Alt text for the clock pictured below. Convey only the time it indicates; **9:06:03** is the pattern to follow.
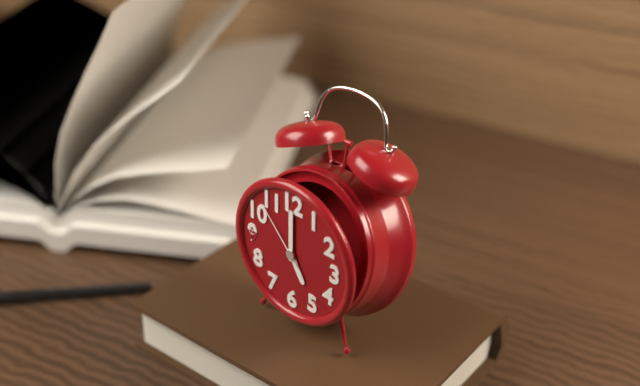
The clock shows **5:00:53**
